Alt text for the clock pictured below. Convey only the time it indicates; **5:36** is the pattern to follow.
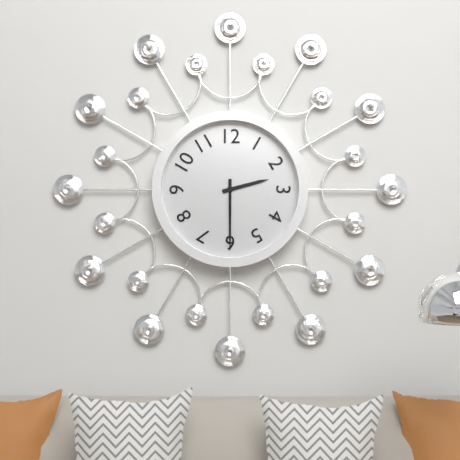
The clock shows **2:30**
